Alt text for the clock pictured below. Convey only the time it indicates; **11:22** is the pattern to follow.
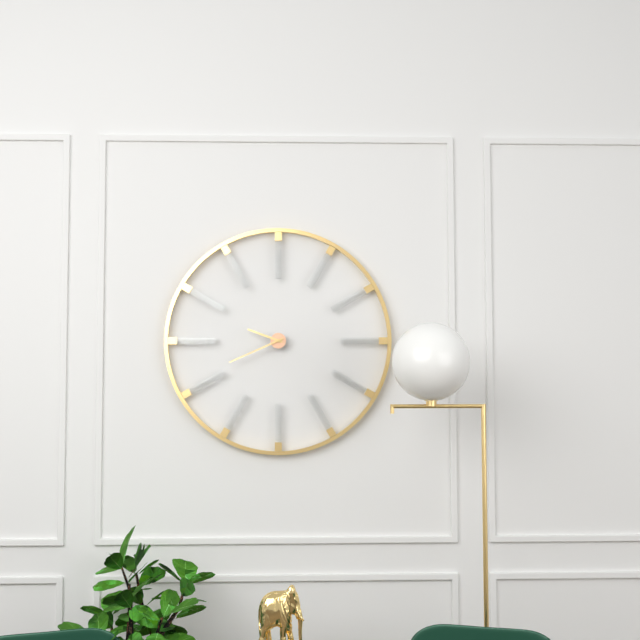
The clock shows **9:41**
